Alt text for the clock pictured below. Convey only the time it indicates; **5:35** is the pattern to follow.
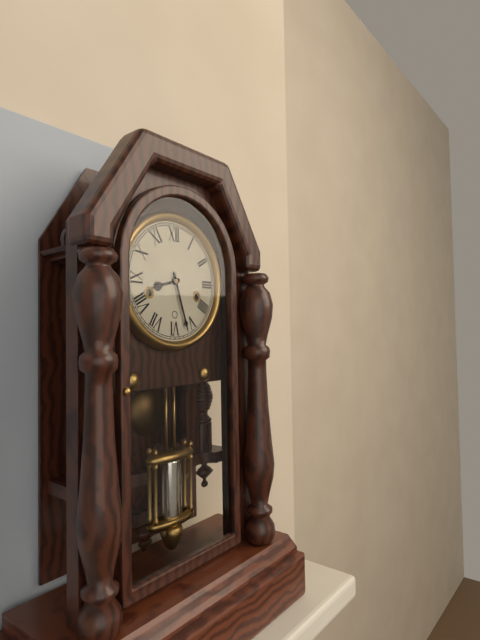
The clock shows **8:27**
